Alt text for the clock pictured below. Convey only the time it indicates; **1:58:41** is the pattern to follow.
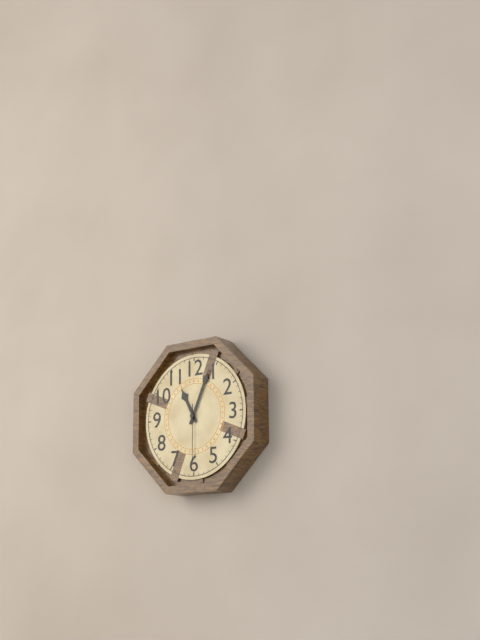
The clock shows **11:04:30**
